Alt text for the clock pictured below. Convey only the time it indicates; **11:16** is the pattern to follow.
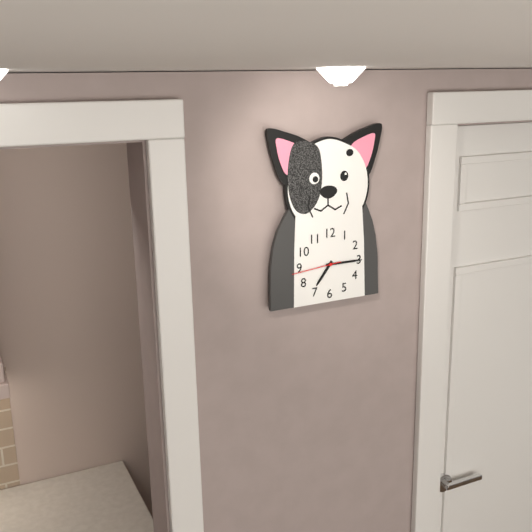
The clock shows **7:15**
